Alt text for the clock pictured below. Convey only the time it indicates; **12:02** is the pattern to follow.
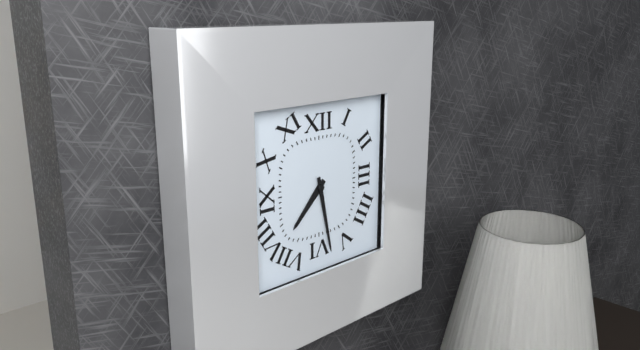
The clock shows **7:28**
